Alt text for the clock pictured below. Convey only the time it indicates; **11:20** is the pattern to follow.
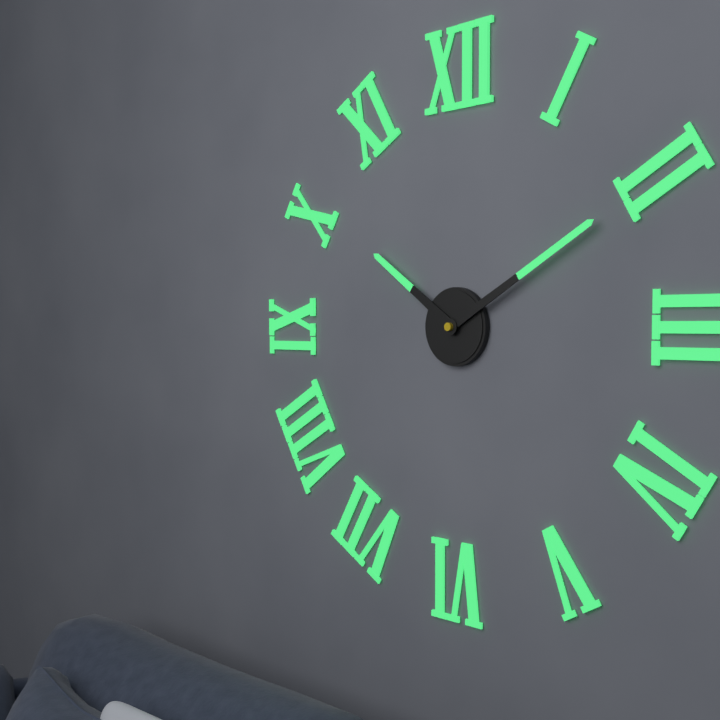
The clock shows **10:10**
